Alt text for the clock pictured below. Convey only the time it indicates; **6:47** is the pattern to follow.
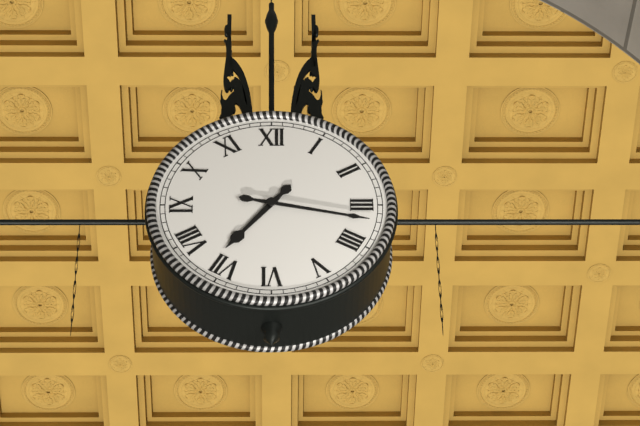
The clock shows **7:17**
